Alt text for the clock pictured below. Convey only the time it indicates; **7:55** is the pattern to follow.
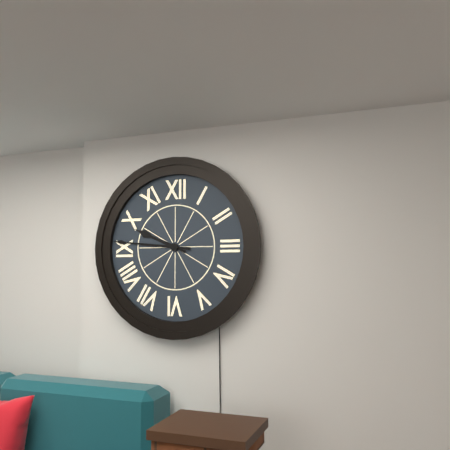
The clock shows **9:46**
